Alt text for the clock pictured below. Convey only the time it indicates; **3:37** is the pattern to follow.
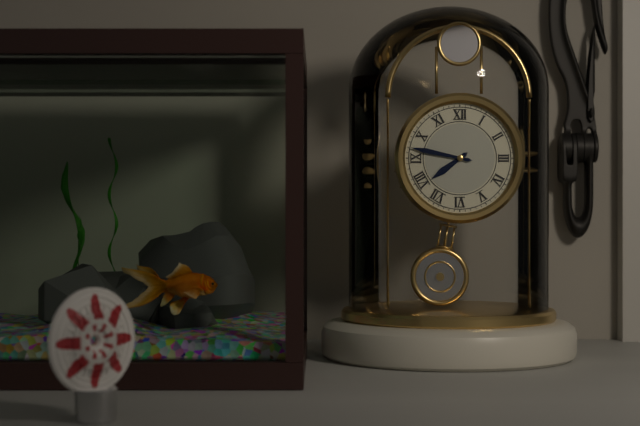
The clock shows **7:47**
